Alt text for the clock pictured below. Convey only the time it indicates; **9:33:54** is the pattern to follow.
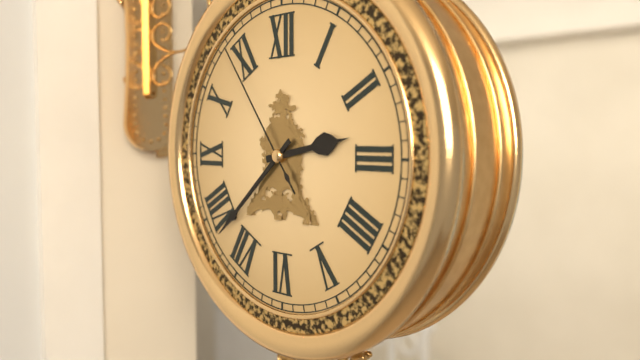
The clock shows **2:38:54**
